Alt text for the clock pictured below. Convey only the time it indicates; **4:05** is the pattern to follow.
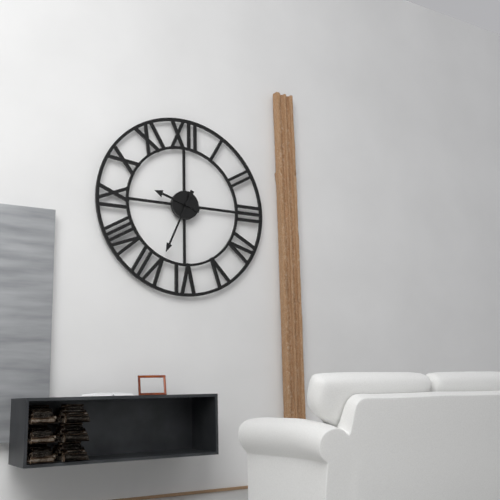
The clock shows **9:34**
